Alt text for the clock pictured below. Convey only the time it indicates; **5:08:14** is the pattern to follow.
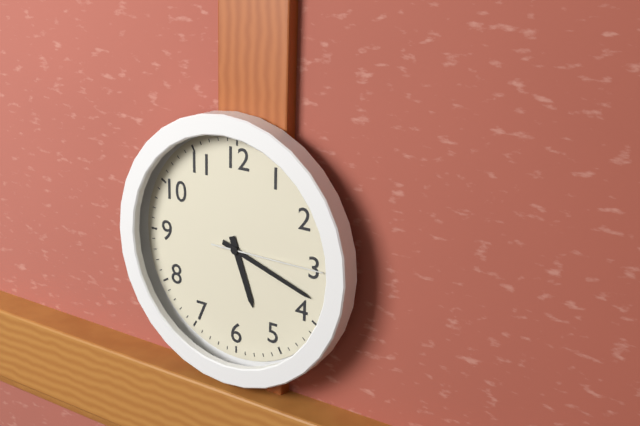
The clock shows **5:18:15**
